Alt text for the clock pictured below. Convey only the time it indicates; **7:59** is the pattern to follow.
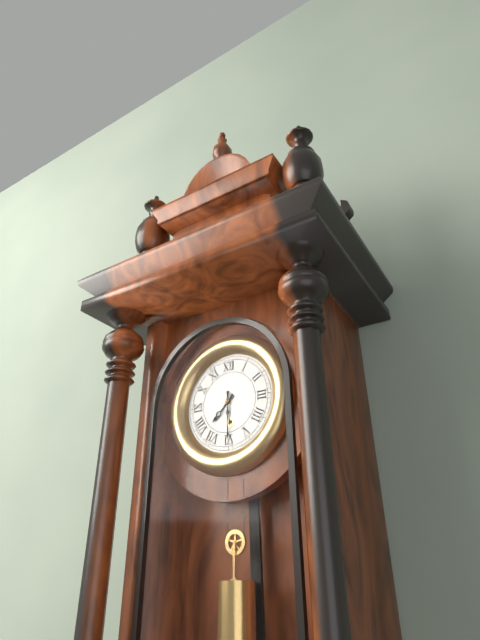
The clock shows **7:30**
